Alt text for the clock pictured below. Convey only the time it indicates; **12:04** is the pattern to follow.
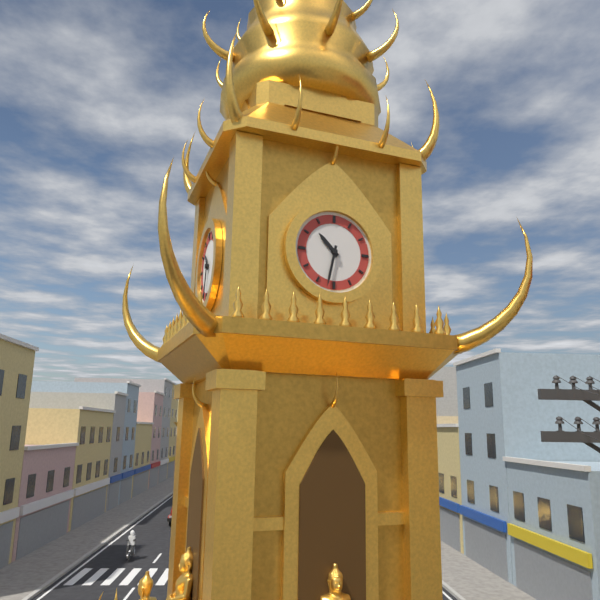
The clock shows **10:32**
